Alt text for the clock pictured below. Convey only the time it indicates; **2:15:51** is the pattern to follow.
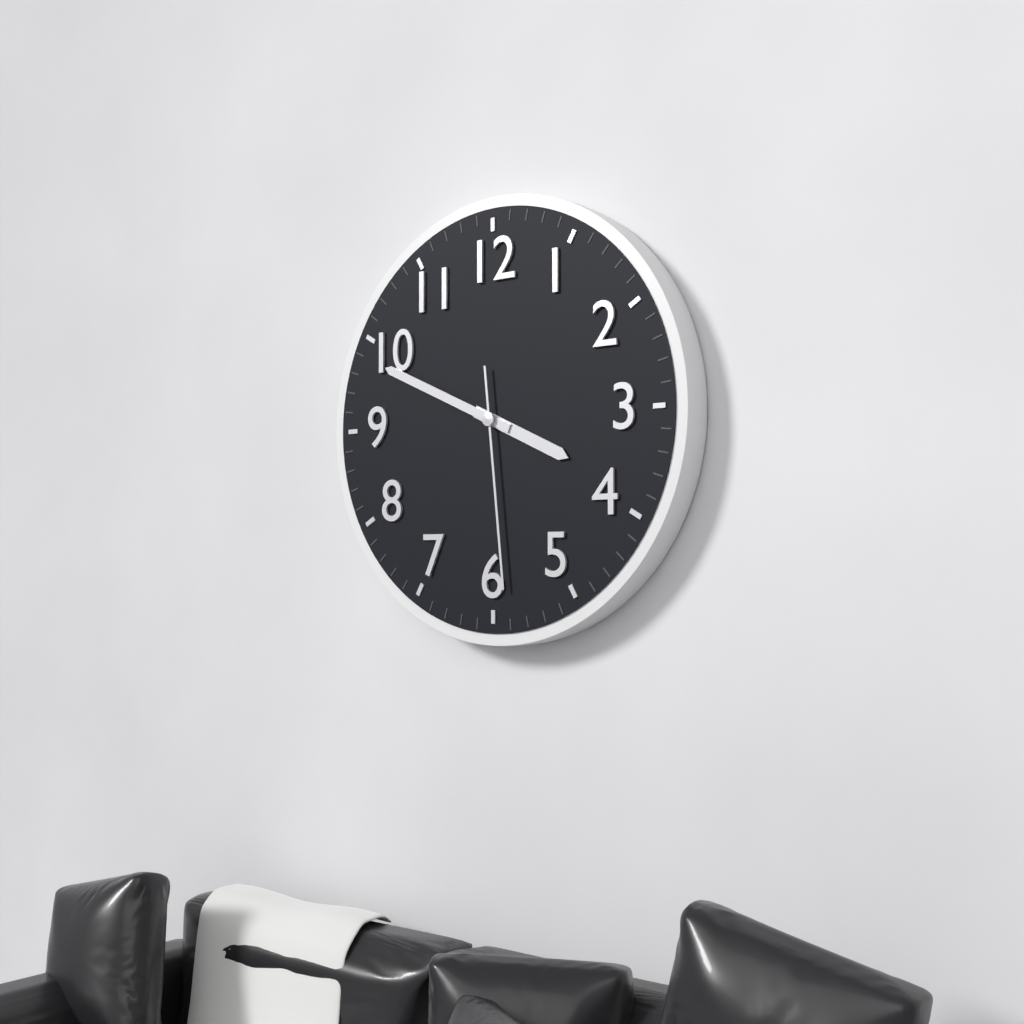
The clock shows **3:49:29**
